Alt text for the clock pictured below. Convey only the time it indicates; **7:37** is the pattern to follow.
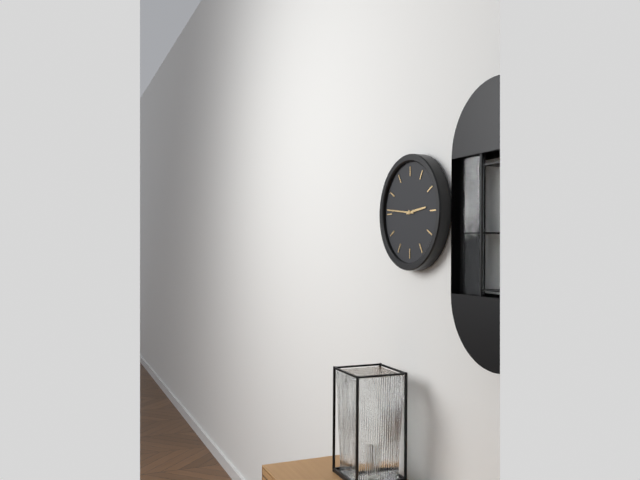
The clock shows **2:46**
